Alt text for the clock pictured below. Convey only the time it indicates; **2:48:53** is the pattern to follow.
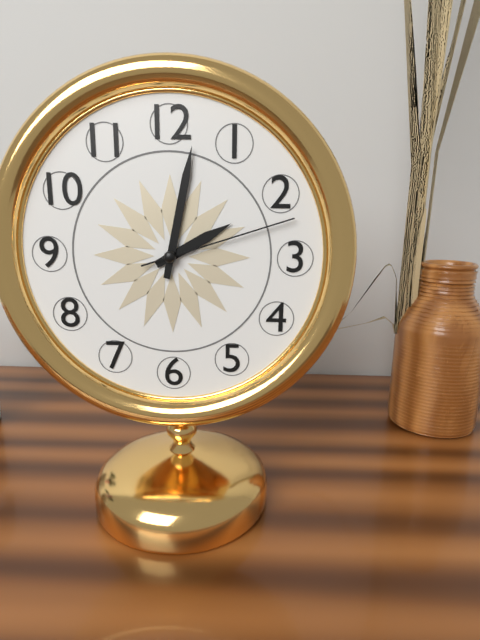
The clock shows **2:02:12**
